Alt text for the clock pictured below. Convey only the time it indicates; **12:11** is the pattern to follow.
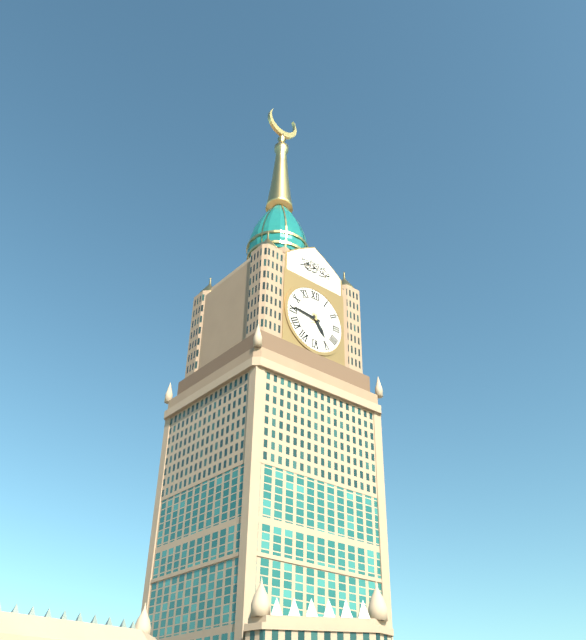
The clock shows **4:46**
